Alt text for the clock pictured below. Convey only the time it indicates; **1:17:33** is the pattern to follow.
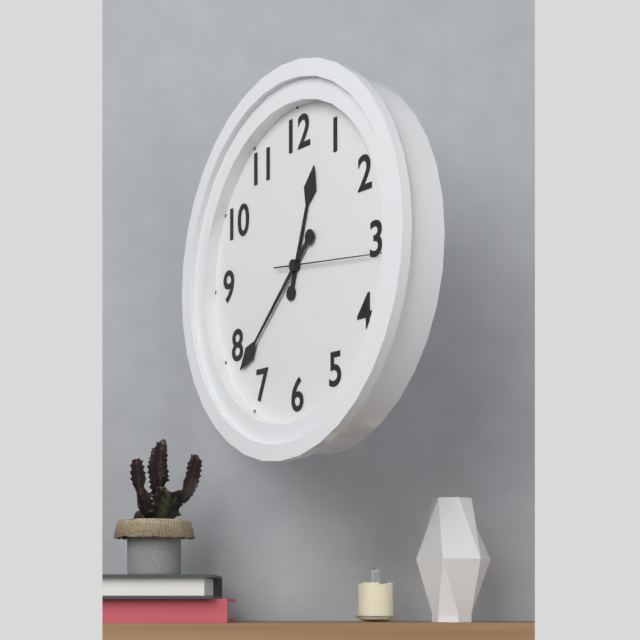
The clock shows **12:38:16**
